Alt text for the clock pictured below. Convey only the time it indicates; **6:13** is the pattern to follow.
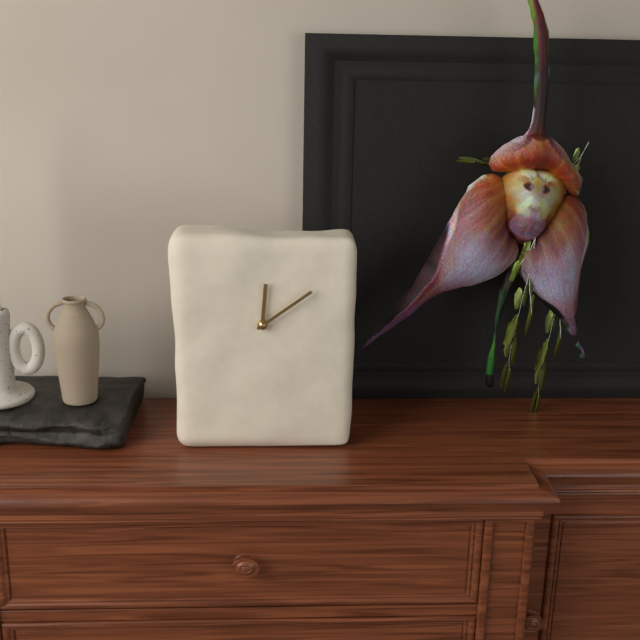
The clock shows **12:09**
